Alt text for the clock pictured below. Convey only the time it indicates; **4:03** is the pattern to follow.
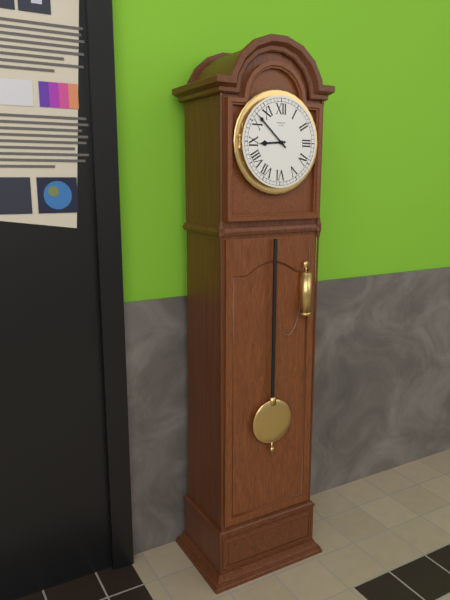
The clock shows **8:52**
